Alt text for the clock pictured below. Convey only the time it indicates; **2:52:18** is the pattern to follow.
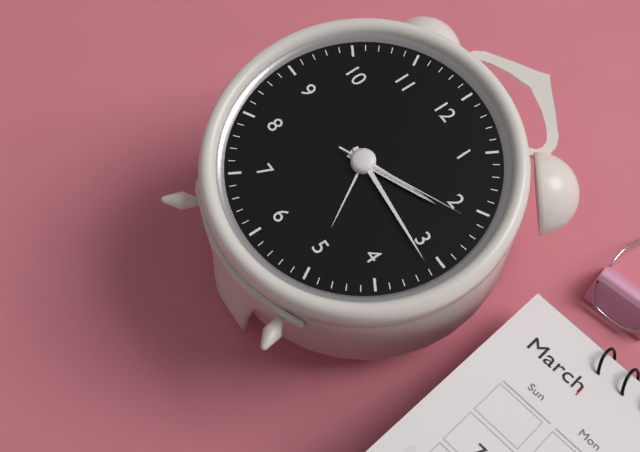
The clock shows **2:16:11**
